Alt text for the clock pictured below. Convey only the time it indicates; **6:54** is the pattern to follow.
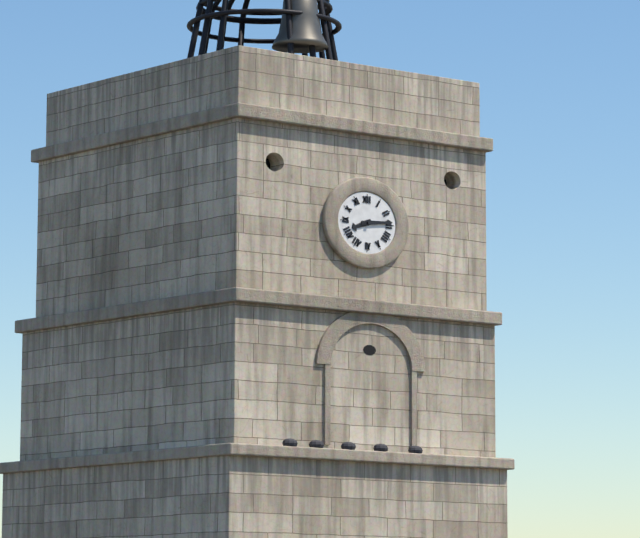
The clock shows **8:14**
